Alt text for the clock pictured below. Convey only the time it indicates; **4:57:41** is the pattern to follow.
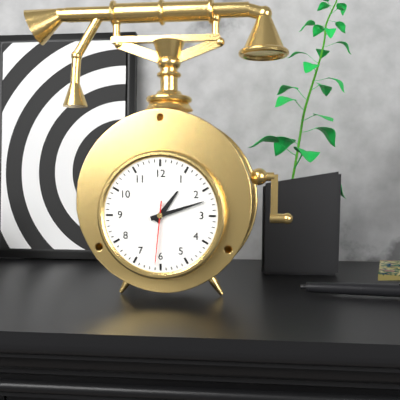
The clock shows **1:12:31**
